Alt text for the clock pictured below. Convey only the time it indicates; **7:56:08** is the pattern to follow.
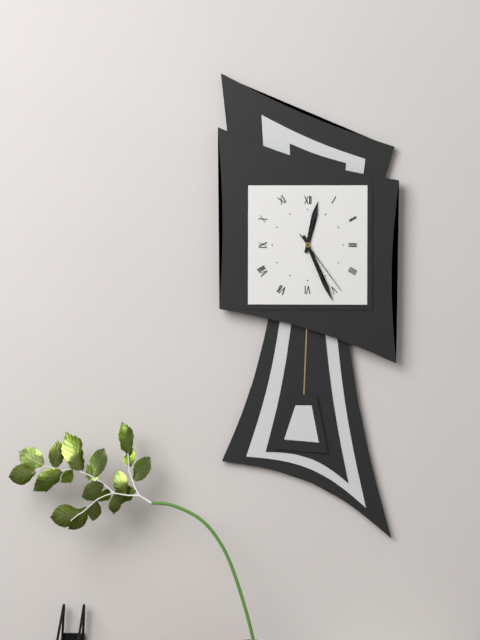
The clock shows **12:26:24**
